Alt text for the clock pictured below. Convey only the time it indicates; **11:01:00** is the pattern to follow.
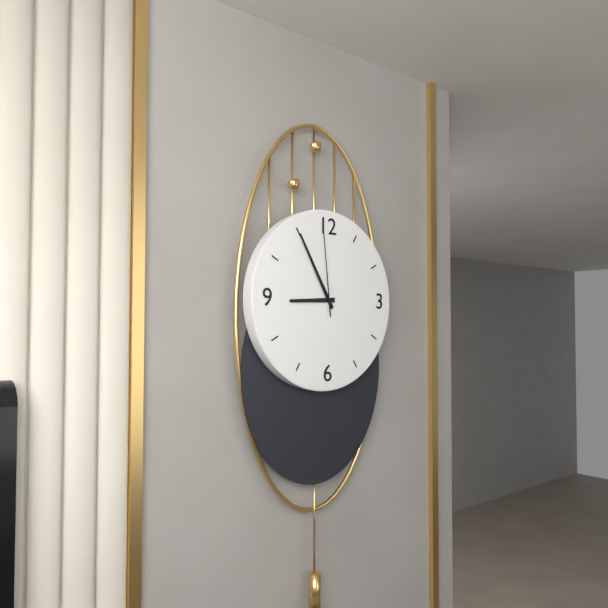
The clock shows **8:55:59**
